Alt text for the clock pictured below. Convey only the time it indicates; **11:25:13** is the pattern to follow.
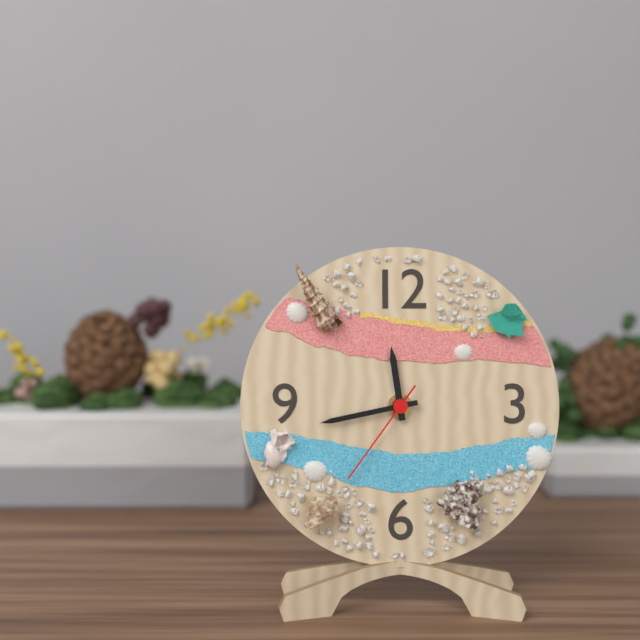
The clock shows **11:43:36**
